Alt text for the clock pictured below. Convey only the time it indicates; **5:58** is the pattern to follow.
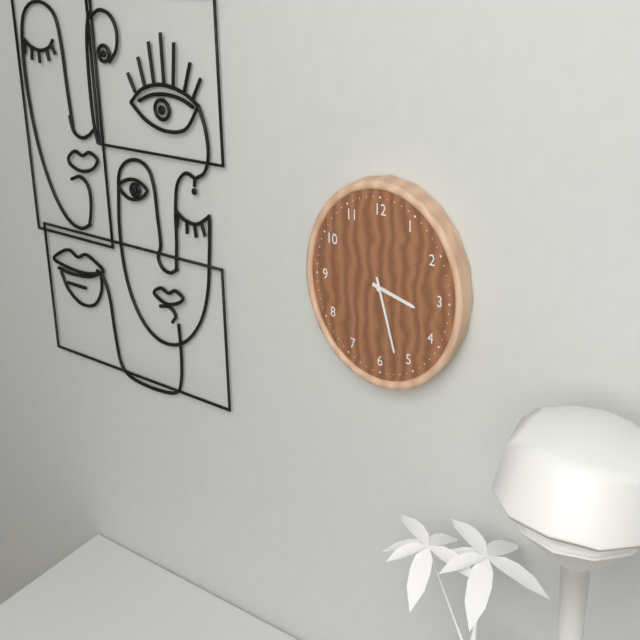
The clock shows **3:27**
